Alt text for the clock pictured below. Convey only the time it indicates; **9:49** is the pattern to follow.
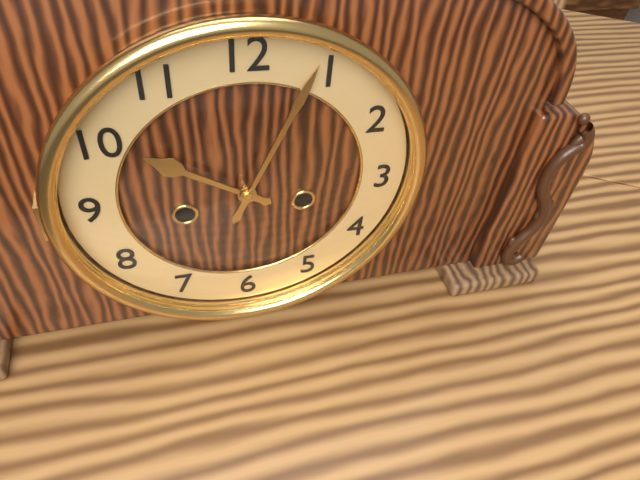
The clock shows **10:04**
